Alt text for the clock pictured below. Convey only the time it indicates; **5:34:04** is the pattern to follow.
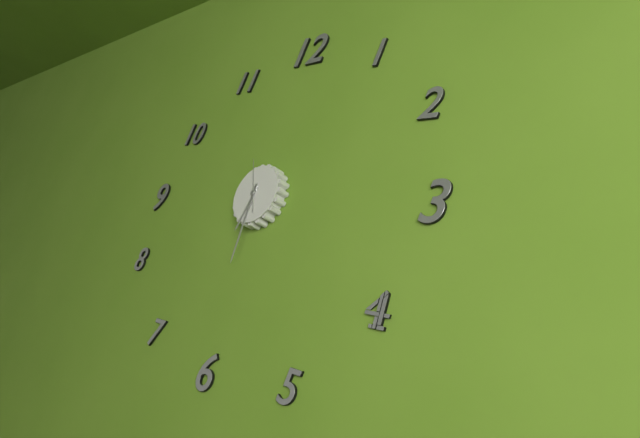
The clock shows **6:30:56**
